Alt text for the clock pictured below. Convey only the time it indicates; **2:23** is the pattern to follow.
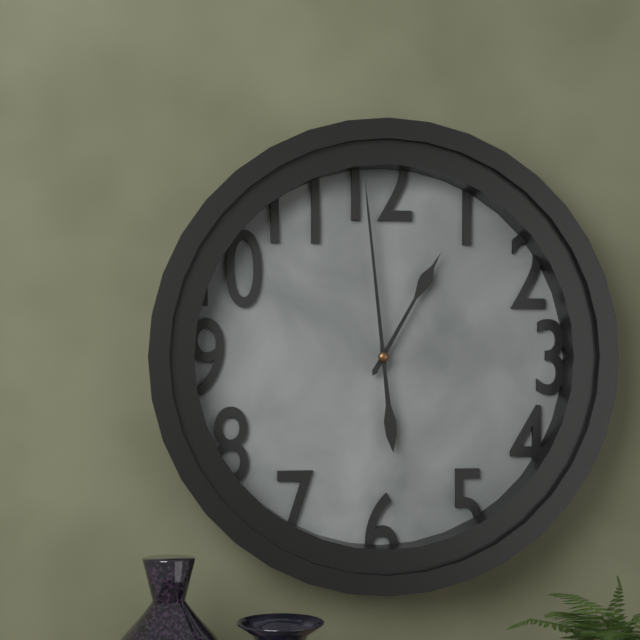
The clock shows **12:59**
